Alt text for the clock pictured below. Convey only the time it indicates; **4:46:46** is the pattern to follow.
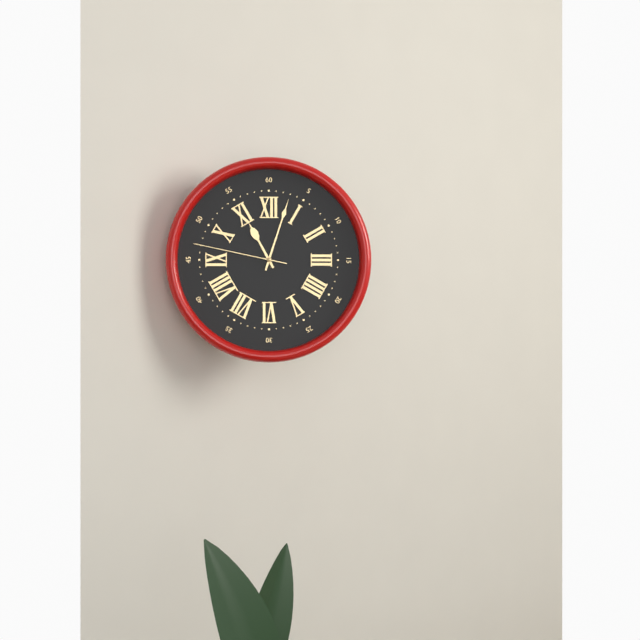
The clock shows **11:03:47**
